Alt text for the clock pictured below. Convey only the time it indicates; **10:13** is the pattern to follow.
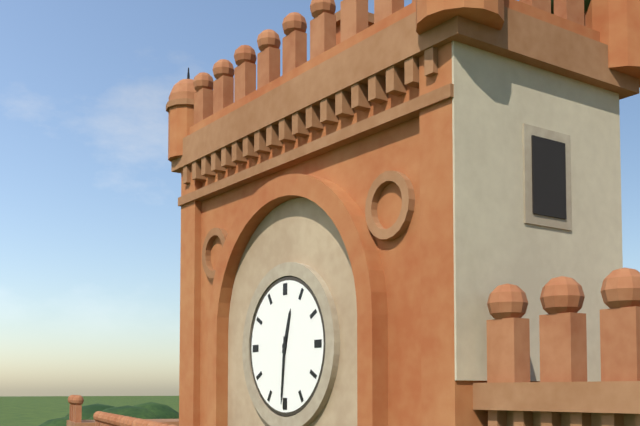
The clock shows **12:31**
